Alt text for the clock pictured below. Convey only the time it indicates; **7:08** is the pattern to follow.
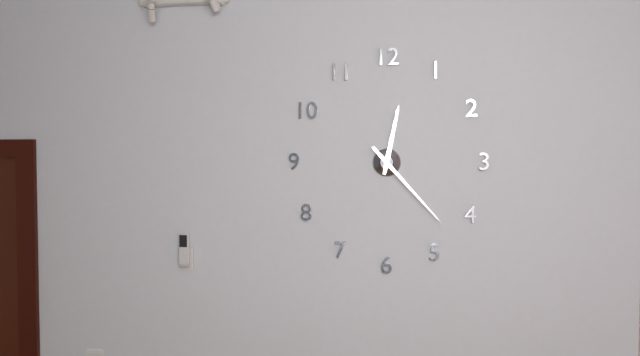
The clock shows **12:23**
